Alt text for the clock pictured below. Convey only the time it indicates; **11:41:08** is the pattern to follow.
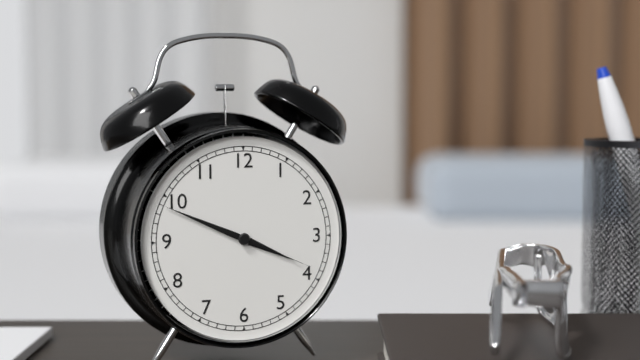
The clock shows **3:49:19**
